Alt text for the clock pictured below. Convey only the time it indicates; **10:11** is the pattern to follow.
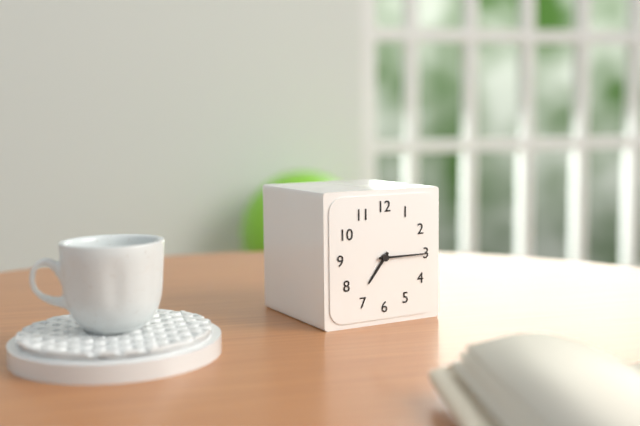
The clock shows **7:15**
